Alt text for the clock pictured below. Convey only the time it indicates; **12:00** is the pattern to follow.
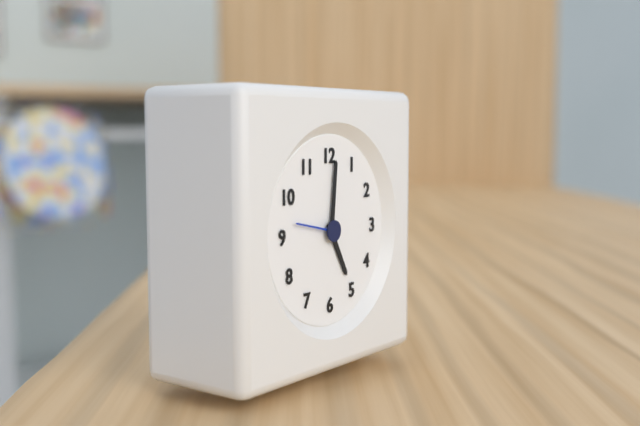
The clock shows **5:01**
